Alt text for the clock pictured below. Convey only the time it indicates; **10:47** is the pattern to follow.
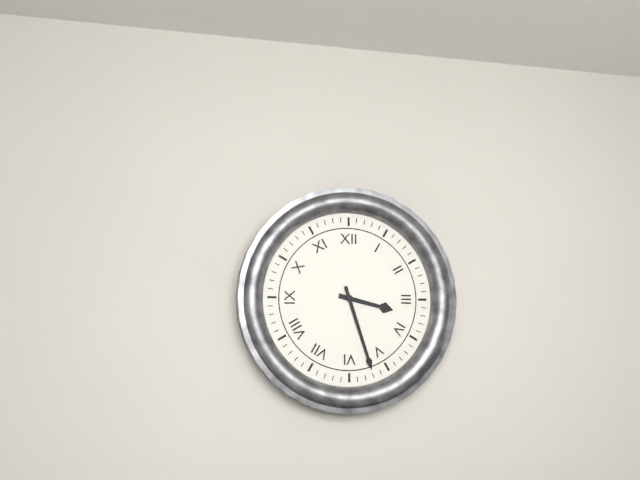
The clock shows **3:27**
